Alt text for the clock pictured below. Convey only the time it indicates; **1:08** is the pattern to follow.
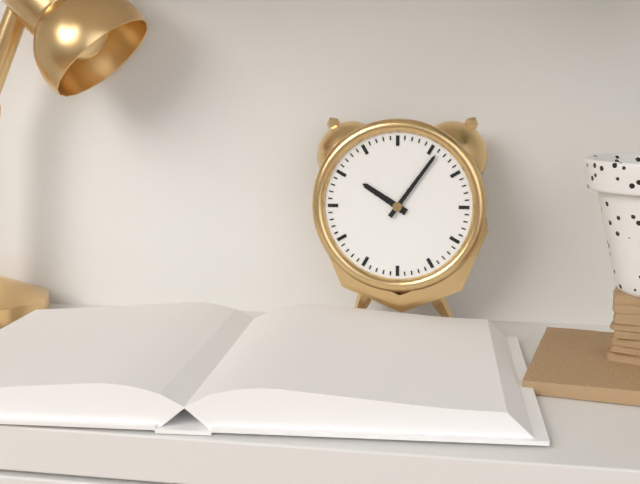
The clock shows **10:06**
